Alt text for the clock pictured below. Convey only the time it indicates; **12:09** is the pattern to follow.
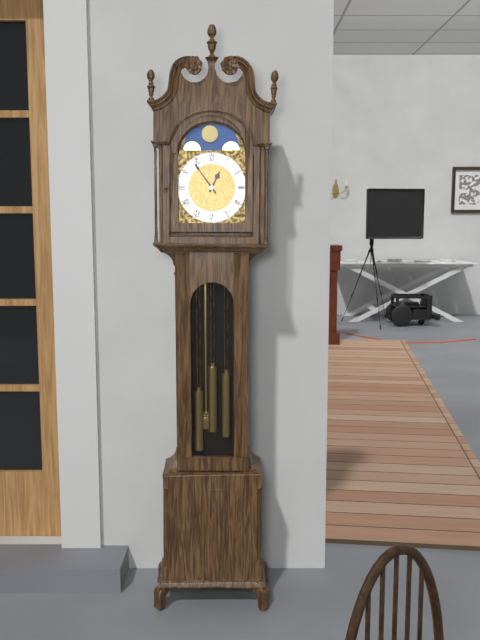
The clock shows **12:54**
